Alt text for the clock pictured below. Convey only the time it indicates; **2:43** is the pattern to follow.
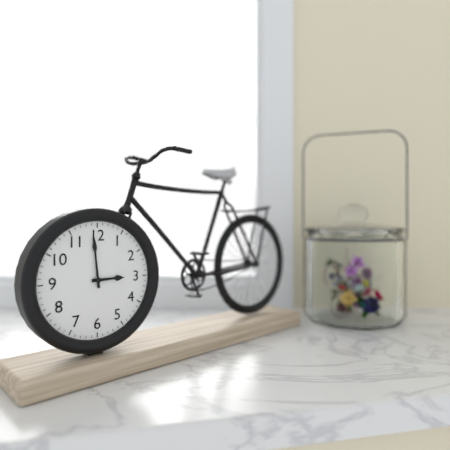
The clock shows **2:59**
